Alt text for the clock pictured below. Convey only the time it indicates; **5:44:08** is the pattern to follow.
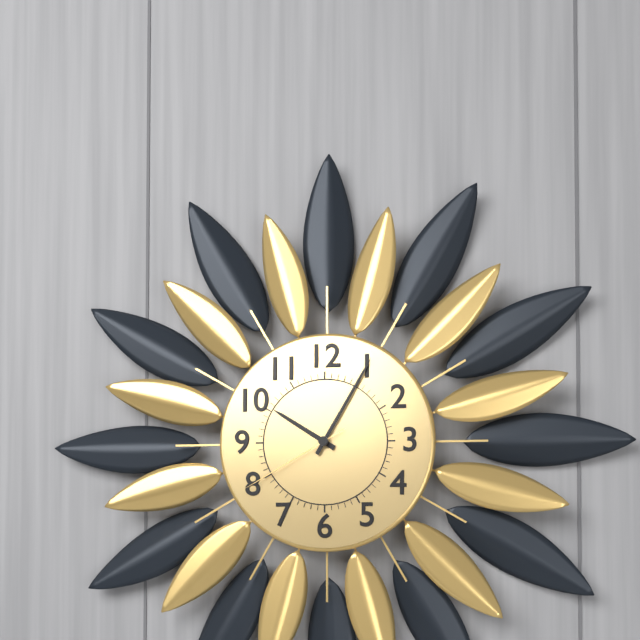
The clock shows **10:05:40**
